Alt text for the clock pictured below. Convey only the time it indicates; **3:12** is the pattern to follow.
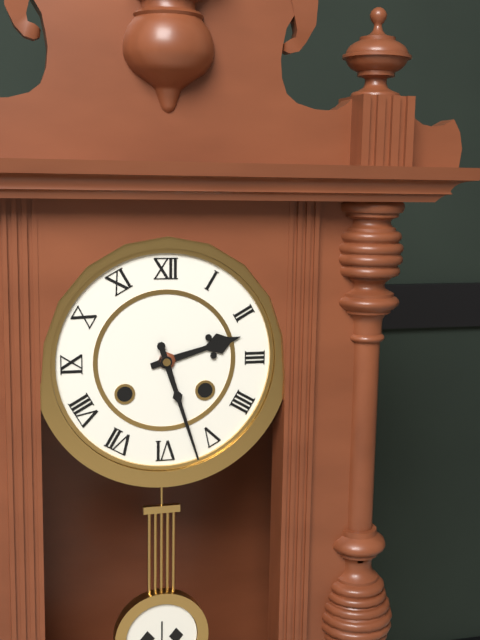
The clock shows **2:27**
